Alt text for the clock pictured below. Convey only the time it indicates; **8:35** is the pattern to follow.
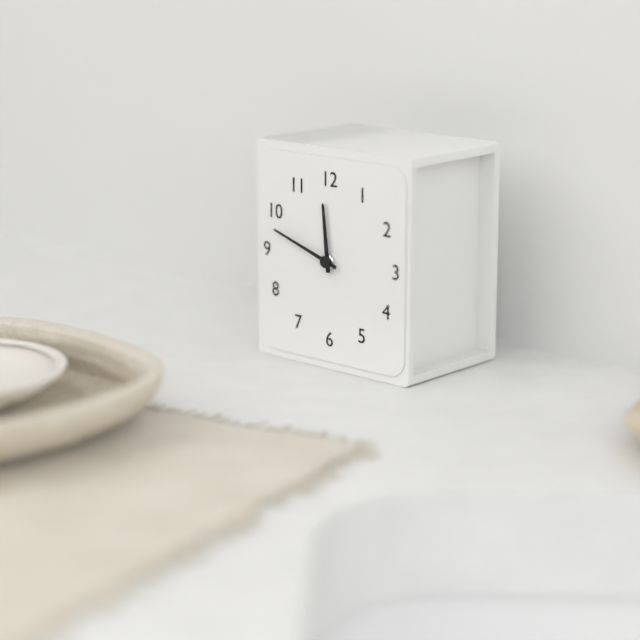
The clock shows **11:48**
